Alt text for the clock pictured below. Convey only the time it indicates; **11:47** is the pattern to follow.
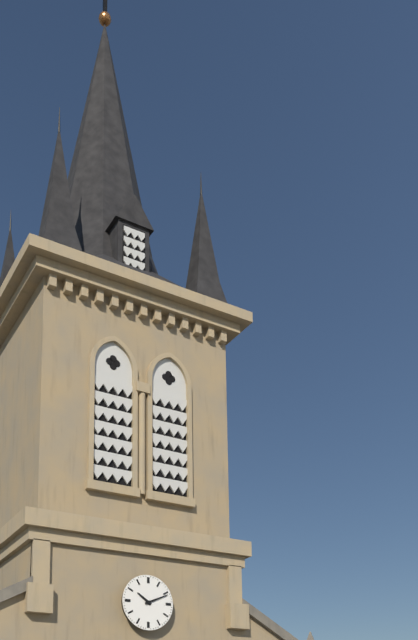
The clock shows **10:11**
